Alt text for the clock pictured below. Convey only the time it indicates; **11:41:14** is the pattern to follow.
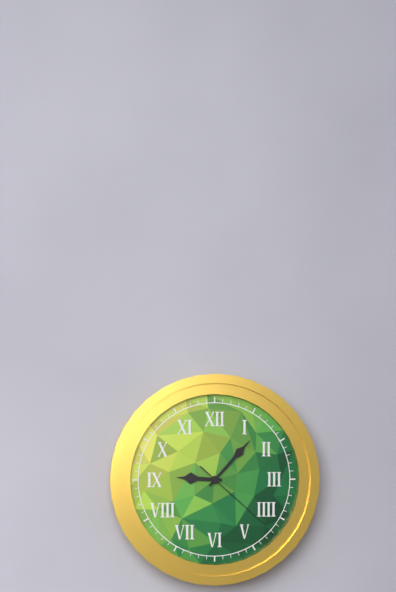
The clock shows **9:07:22**
